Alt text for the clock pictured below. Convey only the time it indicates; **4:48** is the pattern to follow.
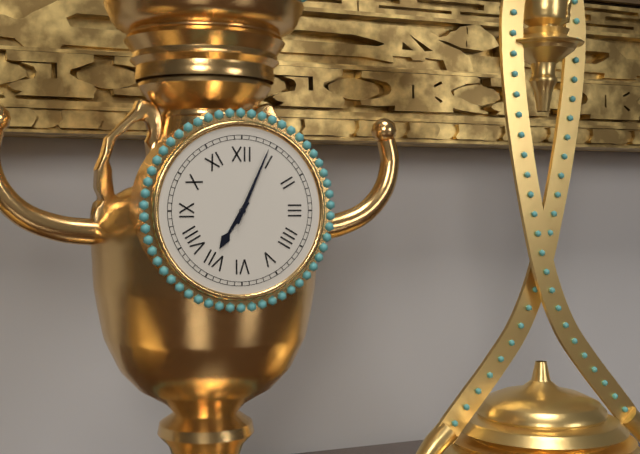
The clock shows **7:04**
